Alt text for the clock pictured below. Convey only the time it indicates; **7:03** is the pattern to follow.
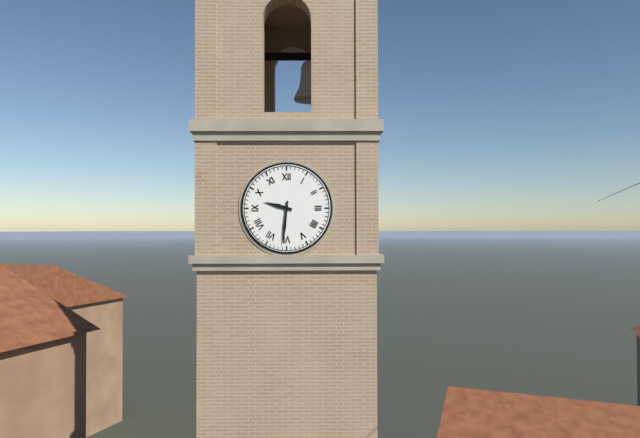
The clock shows **9:31**
